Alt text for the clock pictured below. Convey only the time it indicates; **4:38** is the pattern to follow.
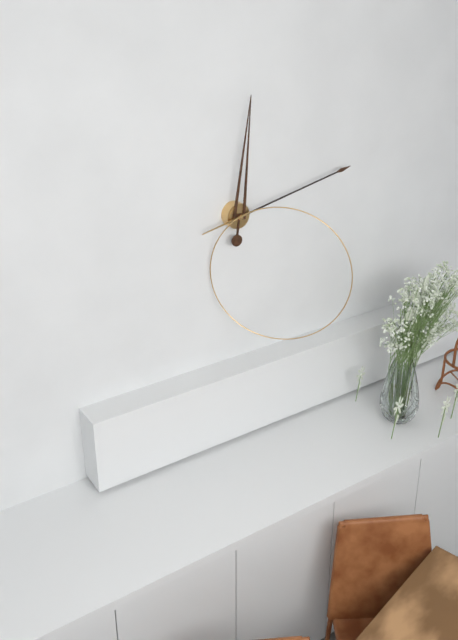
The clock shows **12:13**
